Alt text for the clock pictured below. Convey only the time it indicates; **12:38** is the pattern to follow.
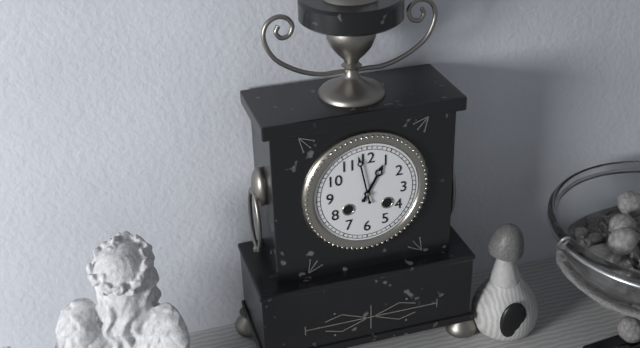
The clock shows **12:58**
